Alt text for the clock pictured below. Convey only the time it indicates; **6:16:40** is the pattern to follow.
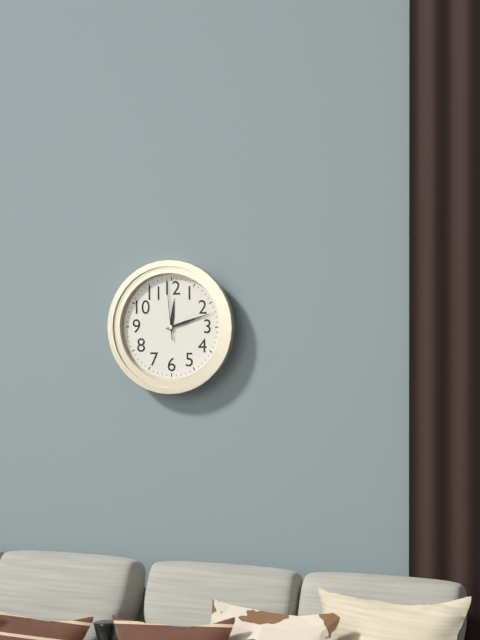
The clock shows **12:12:59**
